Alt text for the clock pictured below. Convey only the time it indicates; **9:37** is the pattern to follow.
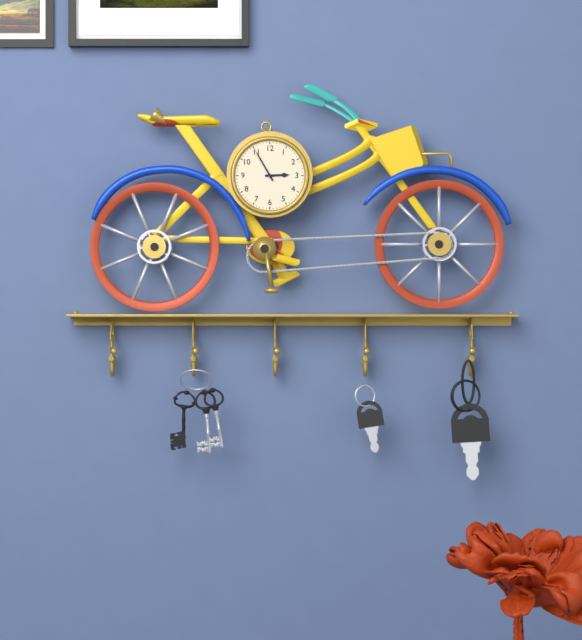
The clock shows **2:55**
